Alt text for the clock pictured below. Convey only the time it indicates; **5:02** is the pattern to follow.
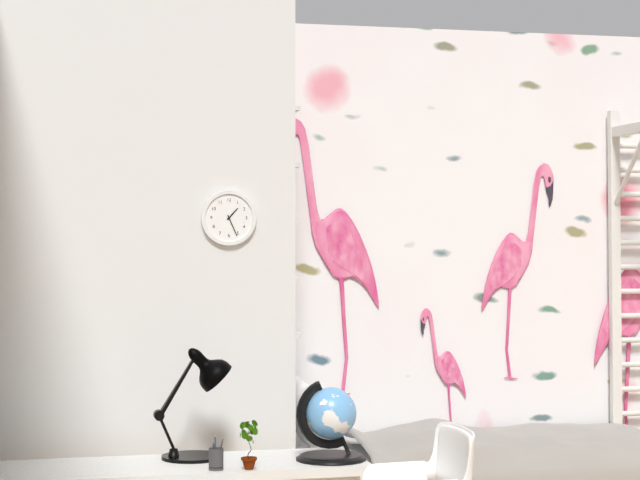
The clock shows **1:26**
